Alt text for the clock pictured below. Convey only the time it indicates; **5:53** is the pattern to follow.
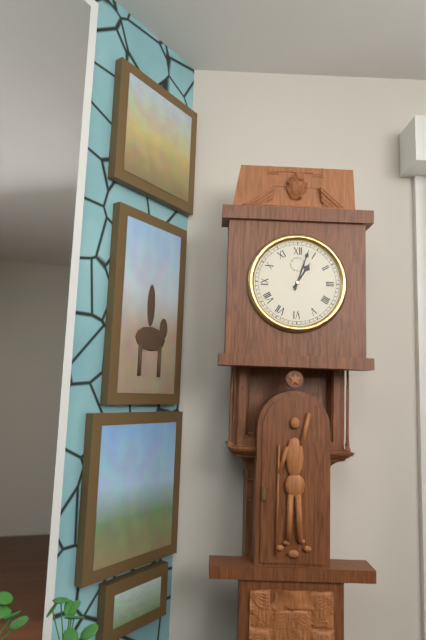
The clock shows **1:03**
